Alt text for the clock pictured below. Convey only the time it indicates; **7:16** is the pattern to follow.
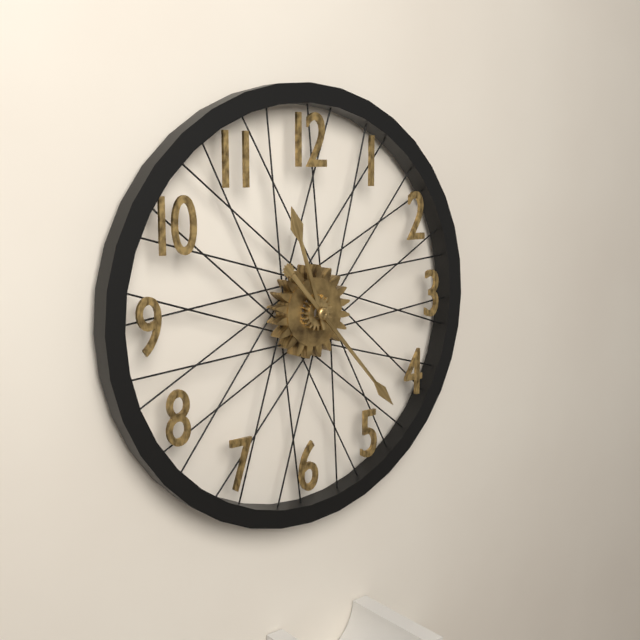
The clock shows **11:23**
